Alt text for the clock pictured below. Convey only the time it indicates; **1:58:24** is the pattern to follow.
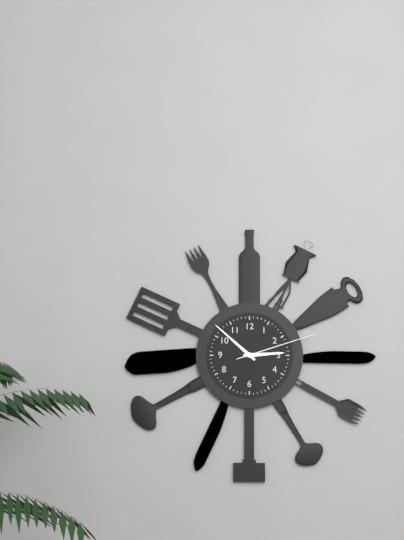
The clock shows **2:52:12**
